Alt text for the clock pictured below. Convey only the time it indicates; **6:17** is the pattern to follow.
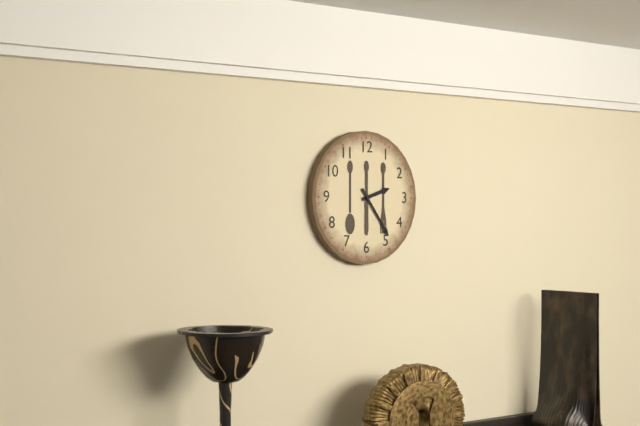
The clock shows **2:24**
